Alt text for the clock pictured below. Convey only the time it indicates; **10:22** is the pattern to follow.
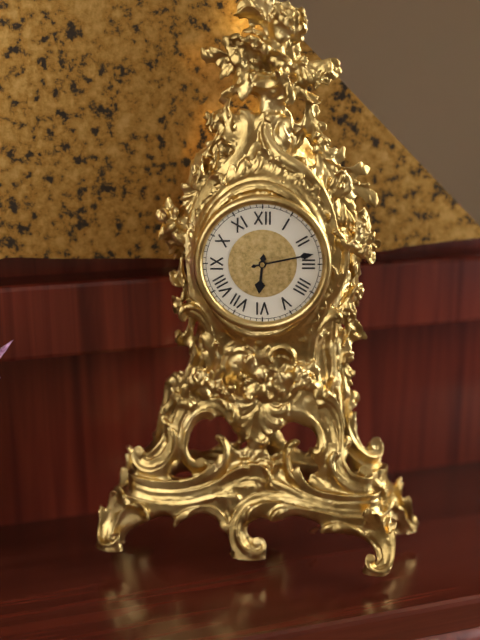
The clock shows **6:13**
